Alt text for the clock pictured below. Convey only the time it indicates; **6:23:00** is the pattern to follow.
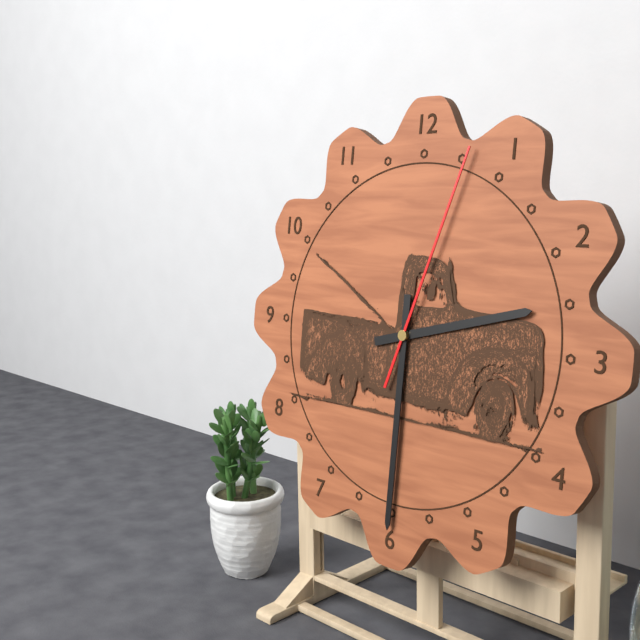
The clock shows **2:30:03**
